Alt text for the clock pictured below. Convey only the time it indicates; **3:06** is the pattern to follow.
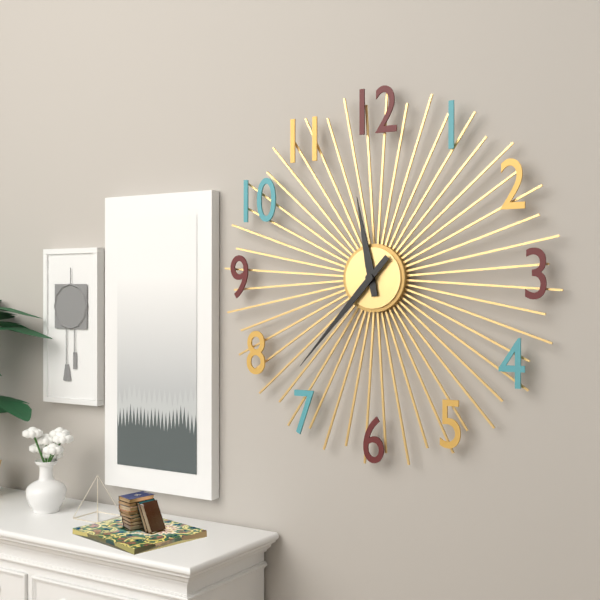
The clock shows **11:37**
